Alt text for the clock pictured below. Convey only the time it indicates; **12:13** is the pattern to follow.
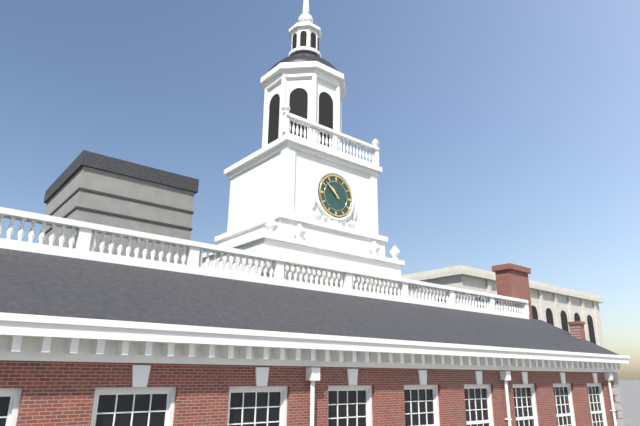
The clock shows **10:52**
